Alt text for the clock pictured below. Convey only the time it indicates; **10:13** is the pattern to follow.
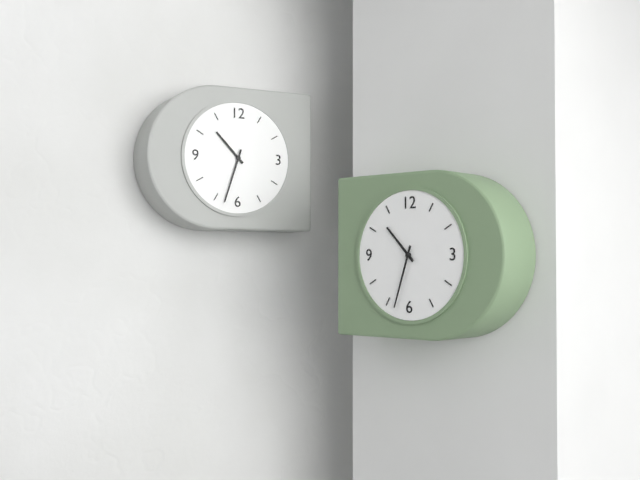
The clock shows **10:33**
